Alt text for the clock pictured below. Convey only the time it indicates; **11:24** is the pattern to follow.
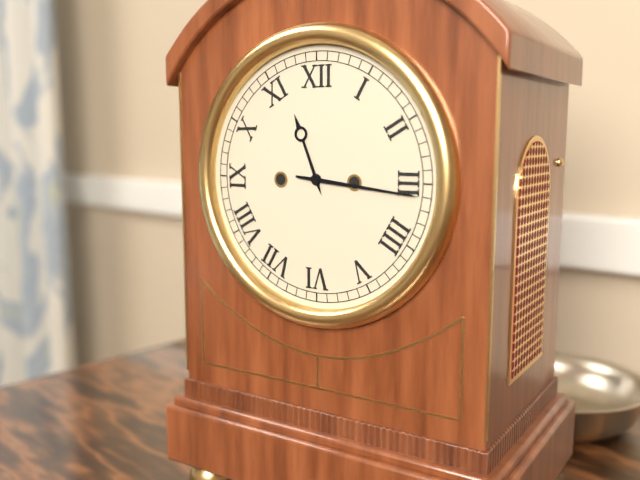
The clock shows **11:16**
